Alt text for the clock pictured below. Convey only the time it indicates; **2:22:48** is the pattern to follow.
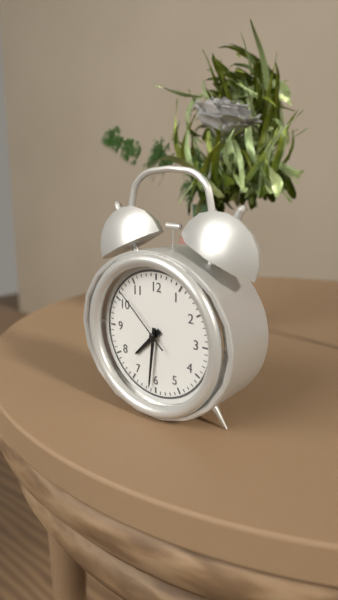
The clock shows **7:31:52**
